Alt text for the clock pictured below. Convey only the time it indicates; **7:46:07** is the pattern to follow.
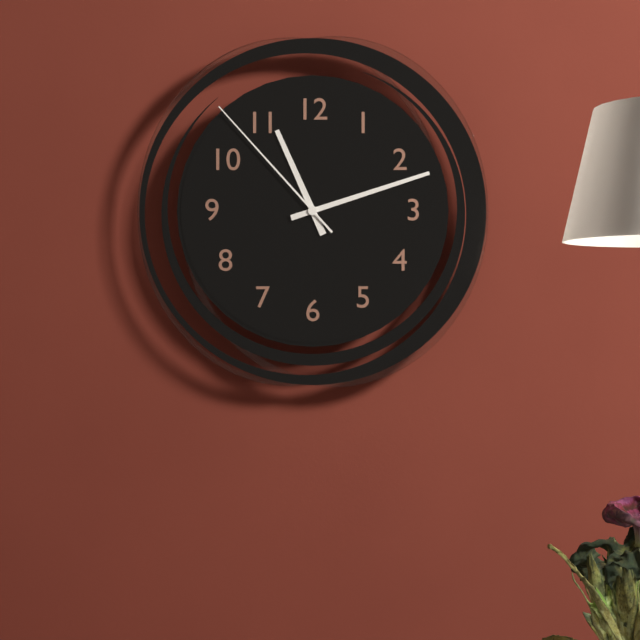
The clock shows **11:12:53**
